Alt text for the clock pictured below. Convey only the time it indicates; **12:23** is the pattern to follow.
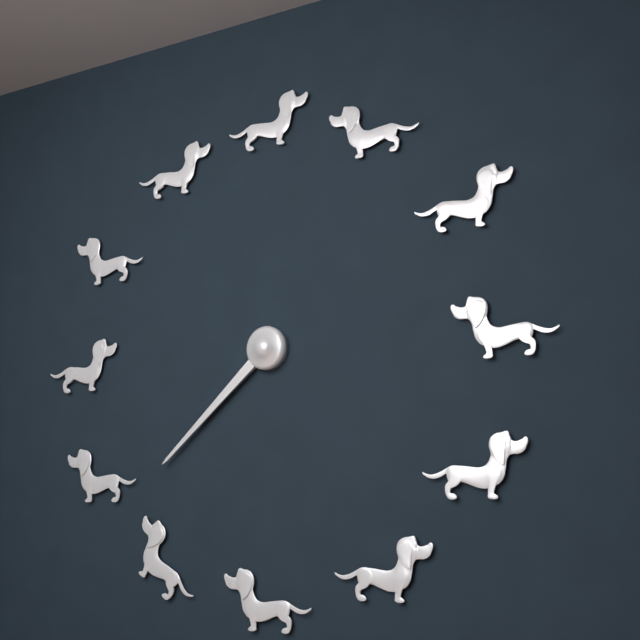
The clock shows **7:38**
